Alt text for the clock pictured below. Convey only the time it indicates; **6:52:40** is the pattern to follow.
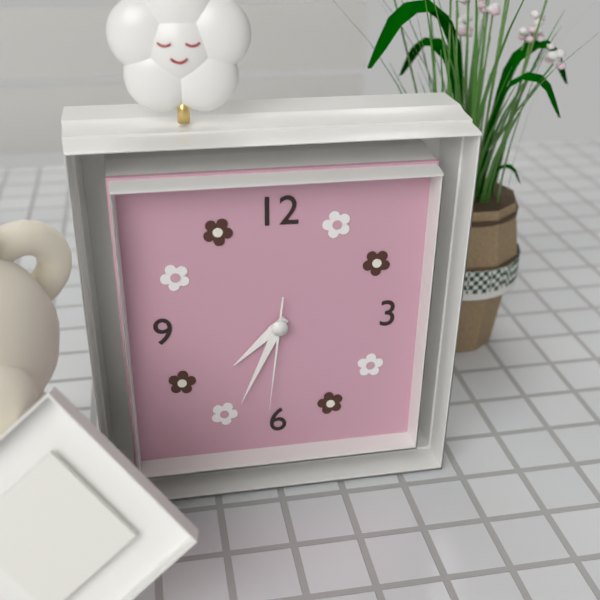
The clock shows **7:34:31**
